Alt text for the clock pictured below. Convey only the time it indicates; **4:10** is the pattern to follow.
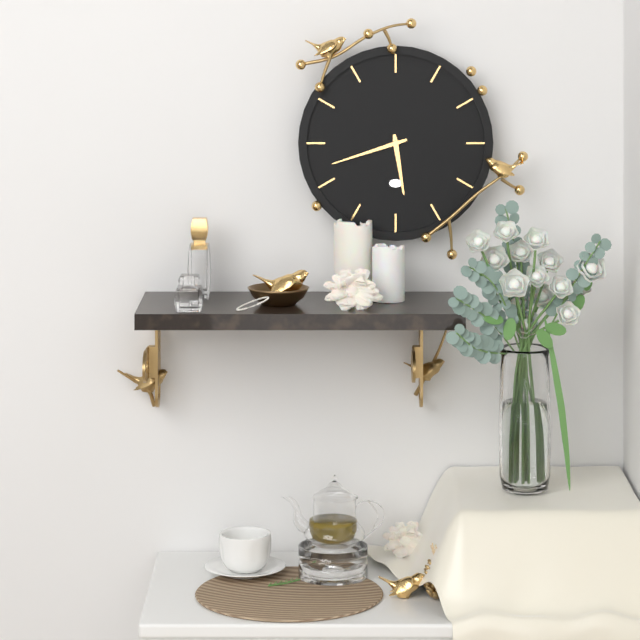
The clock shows **5:42**
